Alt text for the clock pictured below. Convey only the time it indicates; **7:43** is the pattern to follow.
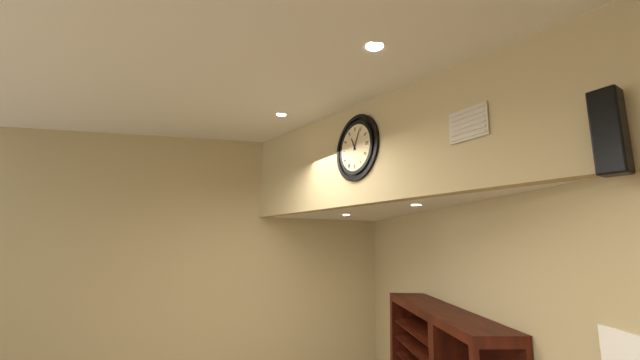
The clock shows **11:04**
